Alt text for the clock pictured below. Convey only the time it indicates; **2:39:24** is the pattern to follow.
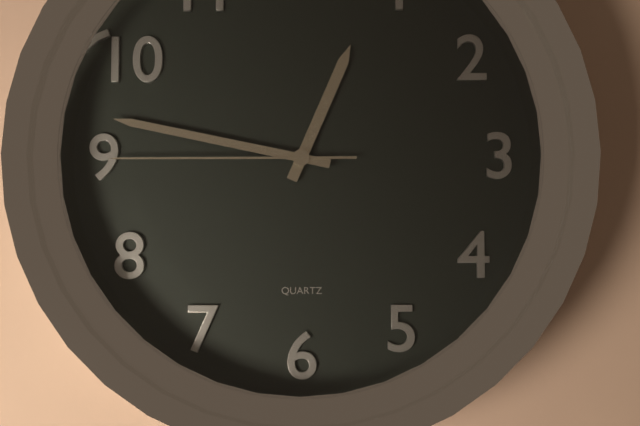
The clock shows **12:47:45**
